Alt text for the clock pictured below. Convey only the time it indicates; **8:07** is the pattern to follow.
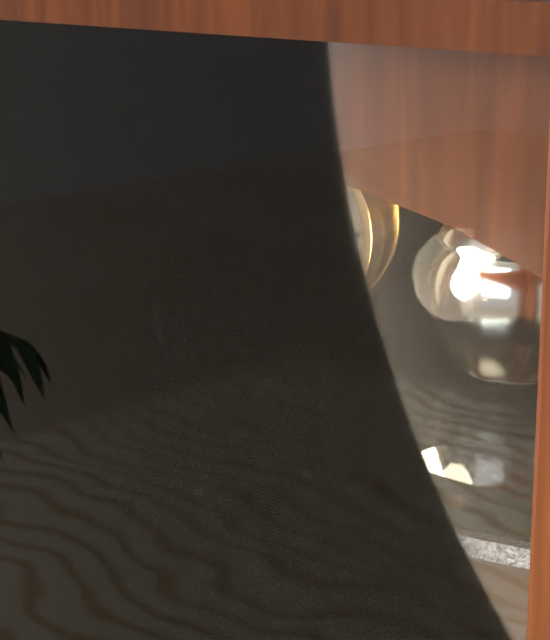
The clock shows **9:26**
